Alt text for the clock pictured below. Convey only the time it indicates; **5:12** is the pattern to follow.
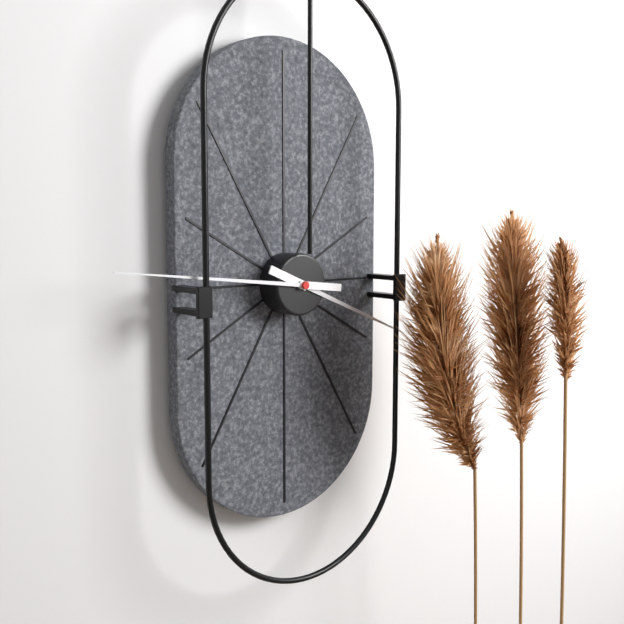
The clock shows **3:46**
